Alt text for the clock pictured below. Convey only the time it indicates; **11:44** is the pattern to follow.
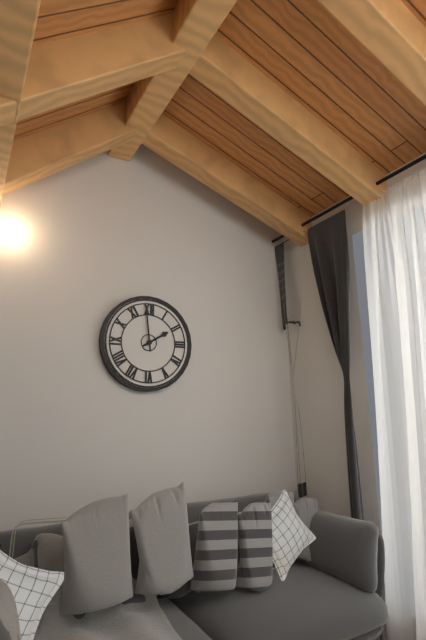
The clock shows **1:59**
